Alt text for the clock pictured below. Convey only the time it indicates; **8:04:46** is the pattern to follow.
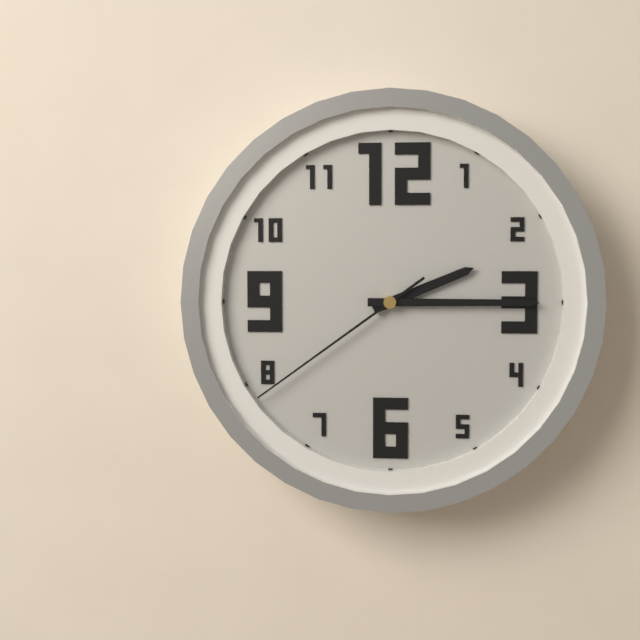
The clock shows **2:15:39**
